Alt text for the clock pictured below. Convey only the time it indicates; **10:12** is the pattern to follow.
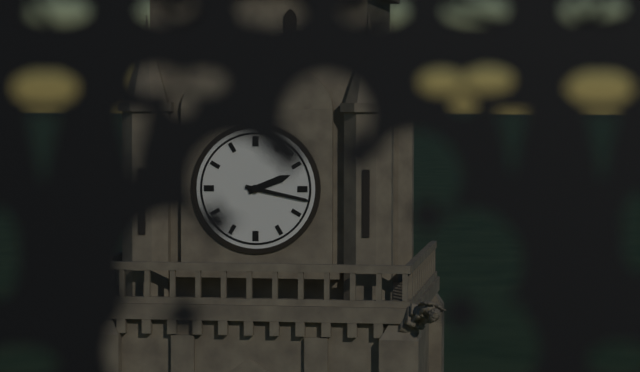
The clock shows **2:17**
